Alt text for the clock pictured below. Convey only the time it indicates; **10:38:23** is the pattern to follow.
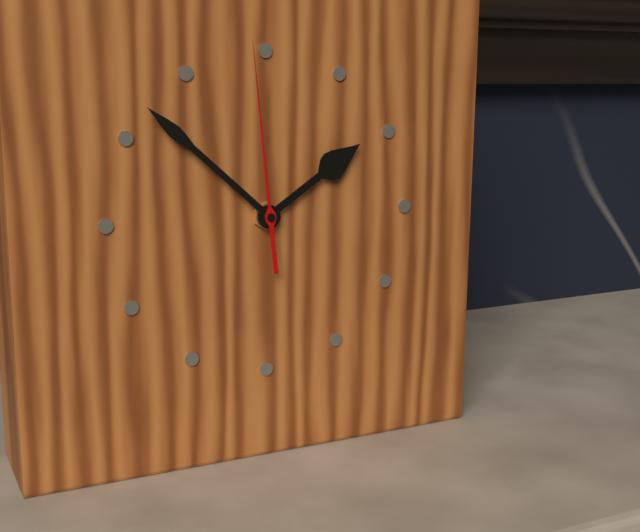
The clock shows **1:52:59**
